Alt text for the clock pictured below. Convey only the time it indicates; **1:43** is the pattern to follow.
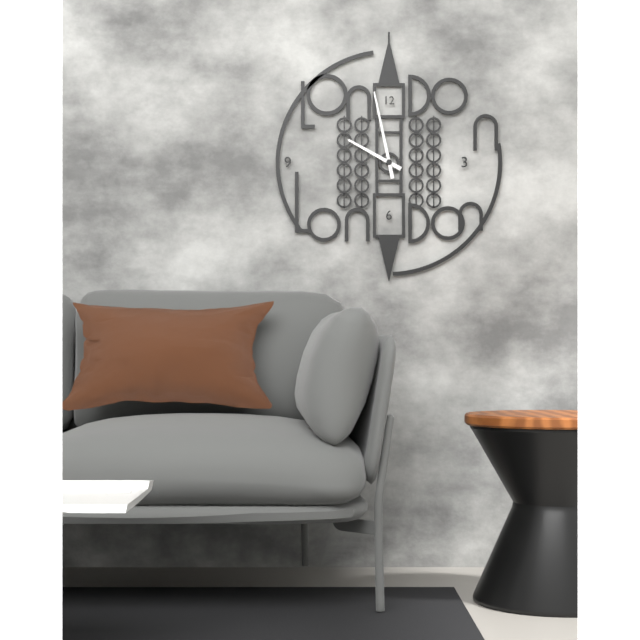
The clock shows **9:58**
